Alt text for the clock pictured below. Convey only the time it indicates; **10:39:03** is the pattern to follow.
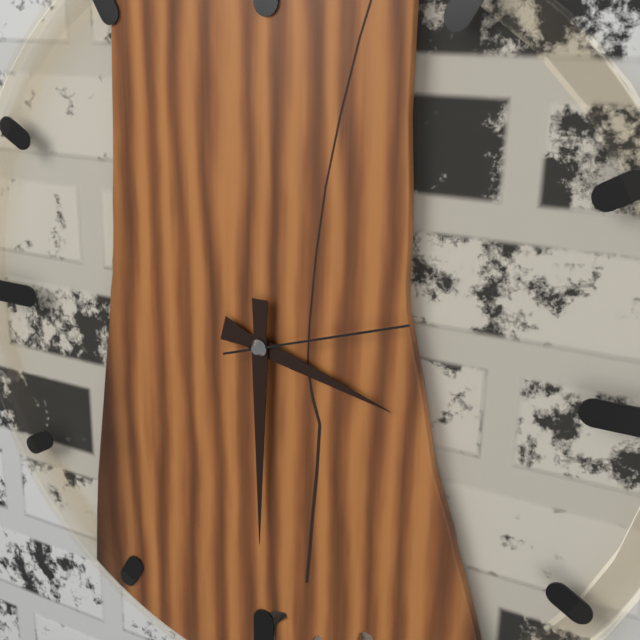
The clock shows **3:30:12**
